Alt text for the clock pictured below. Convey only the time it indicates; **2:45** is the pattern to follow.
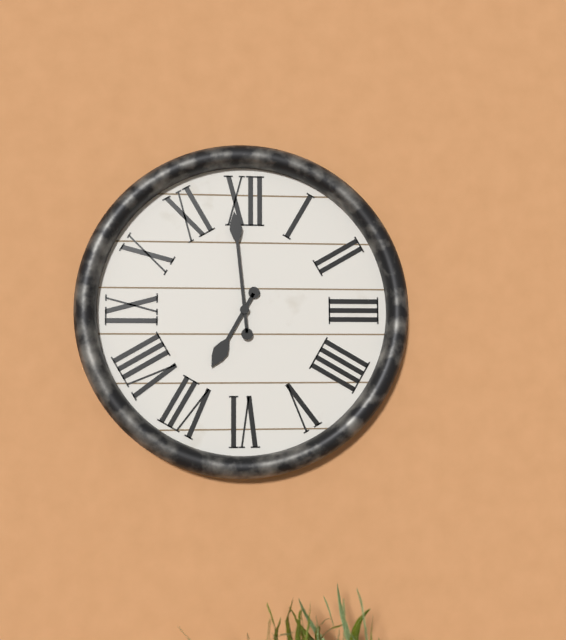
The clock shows **6:59**
